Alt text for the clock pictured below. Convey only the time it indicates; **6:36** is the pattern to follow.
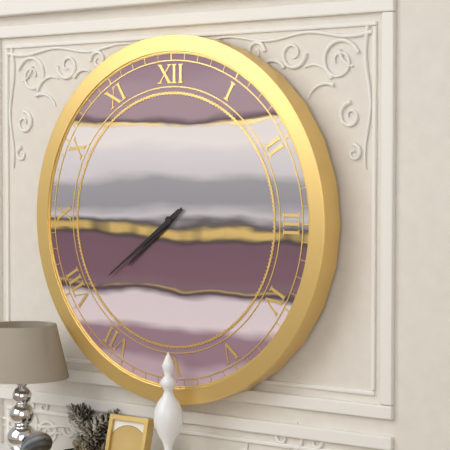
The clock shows **7:39**
